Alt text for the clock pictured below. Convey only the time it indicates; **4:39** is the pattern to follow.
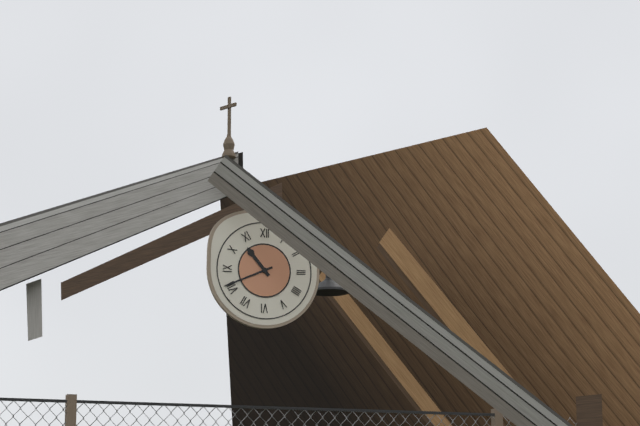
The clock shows **10:41**
